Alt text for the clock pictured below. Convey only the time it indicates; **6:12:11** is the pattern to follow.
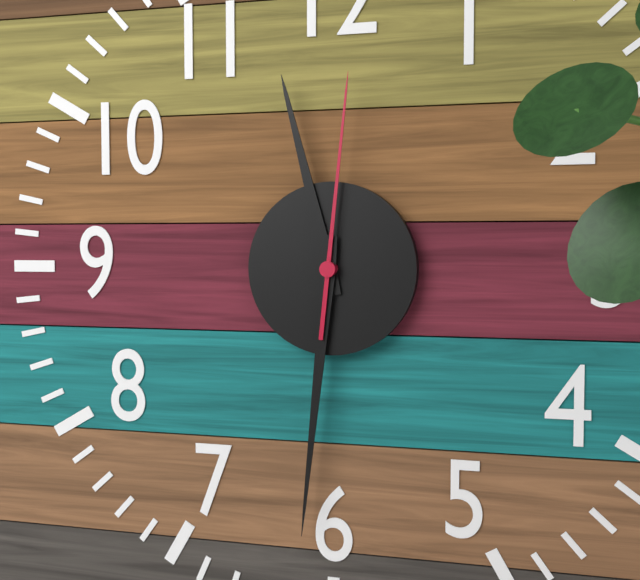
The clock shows **11:31:01**
